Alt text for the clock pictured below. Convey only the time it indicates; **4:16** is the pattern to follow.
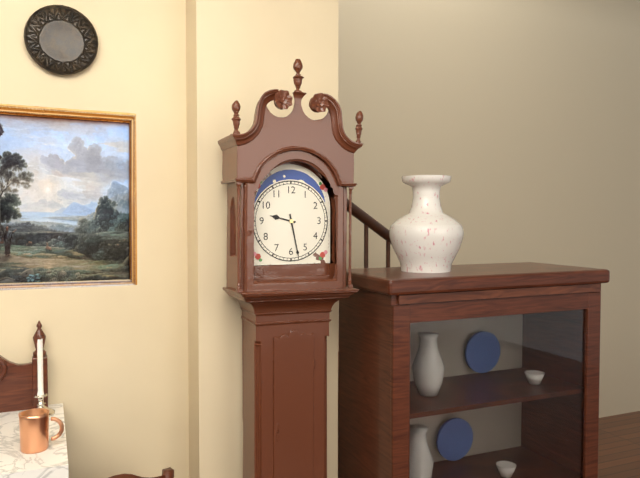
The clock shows **9:28**
